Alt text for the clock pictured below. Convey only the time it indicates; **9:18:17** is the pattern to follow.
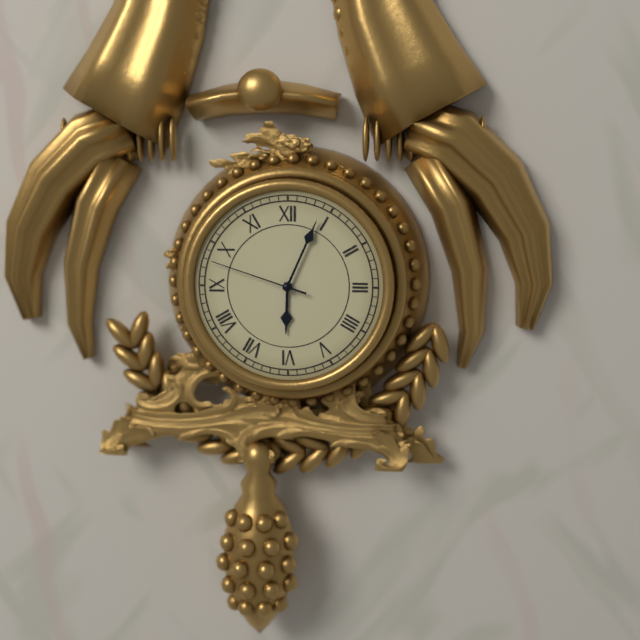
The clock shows **6:04:48**
